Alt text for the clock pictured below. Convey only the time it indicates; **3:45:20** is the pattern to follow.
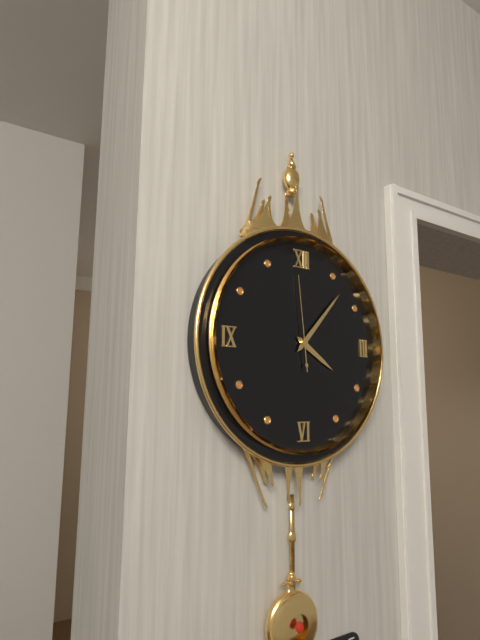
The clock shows **4:07:59**
